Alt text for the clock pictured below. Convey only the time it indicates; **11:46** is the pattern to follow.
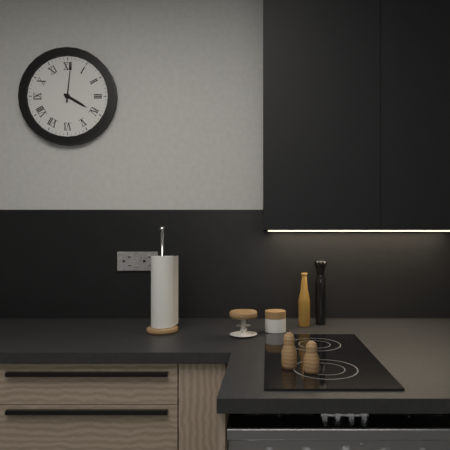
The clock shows **4:01**
